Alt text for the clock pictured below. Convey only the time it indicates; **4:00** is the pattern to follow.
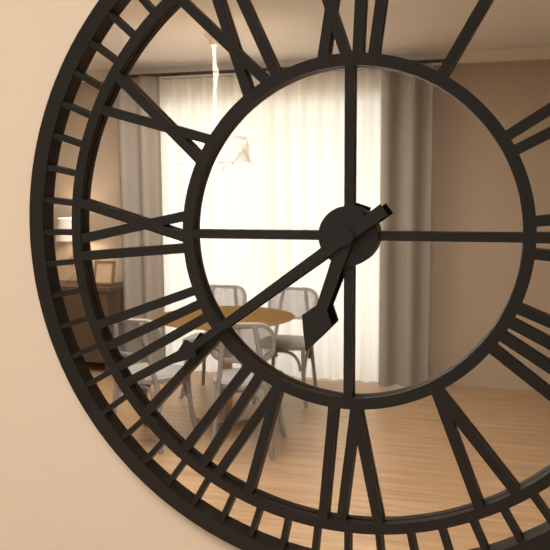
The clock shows **6:39**
